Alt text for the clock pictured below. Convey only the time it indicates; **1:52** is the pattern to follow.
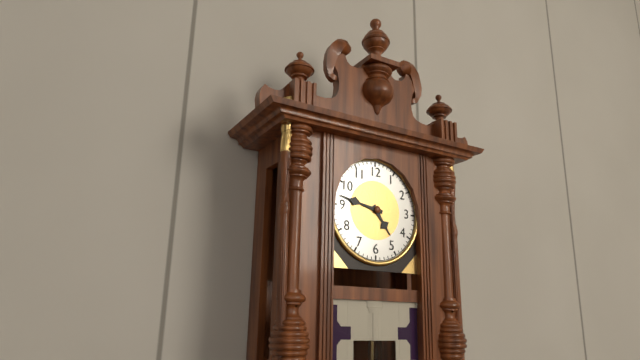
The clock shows **4:47**
